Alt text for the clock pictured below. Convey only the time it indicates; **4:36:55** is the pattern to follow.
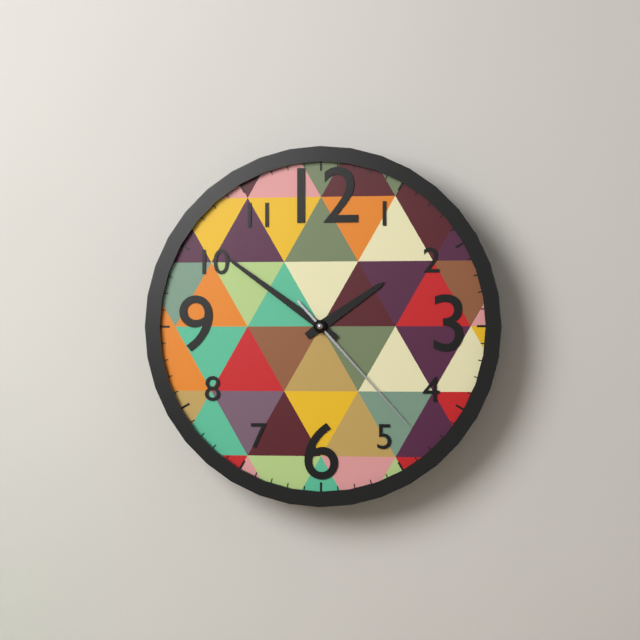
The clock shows **1:51:23**
